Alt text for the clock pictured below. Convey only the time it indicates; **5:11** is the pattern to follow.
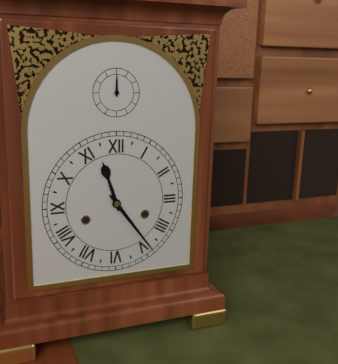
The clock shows **11:24**
